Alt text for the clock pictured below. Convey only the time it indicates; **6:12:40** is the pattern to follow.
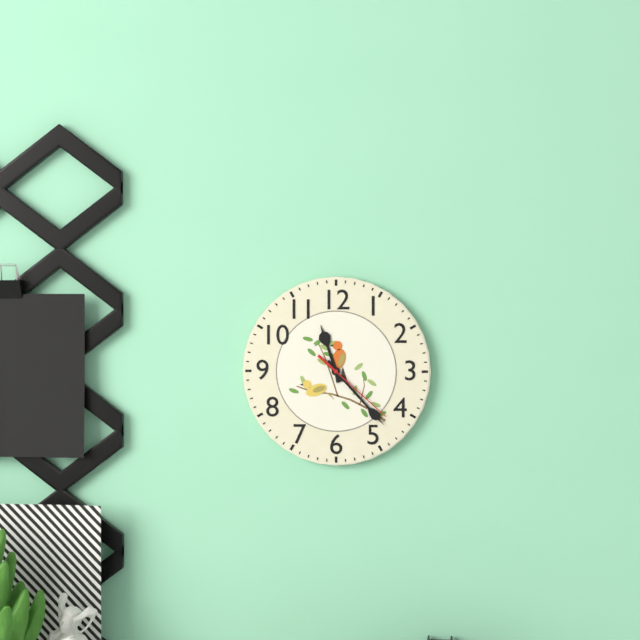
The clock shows **11:23:22**
